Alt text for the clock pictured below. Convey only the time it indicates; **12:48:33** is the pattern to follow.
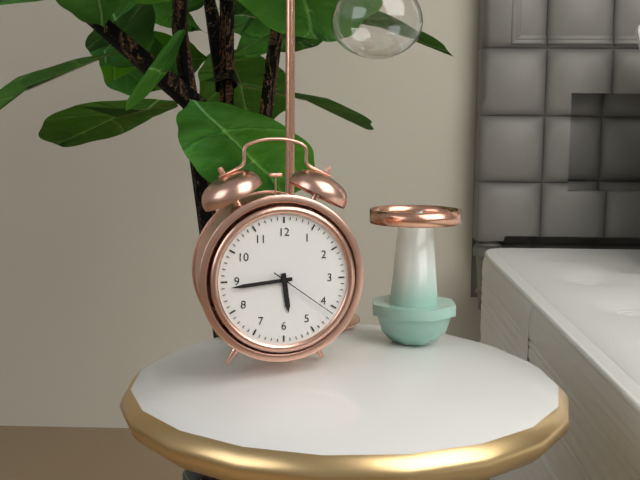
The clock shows **5:44:21**
